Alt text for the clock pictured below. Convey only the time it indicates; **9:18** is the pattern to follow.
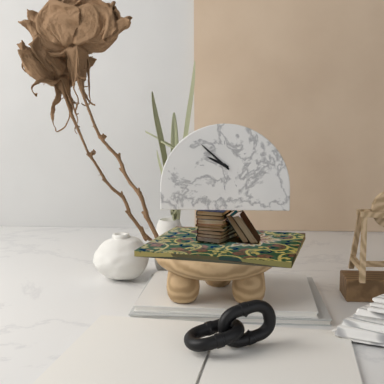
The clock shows **9:52**
